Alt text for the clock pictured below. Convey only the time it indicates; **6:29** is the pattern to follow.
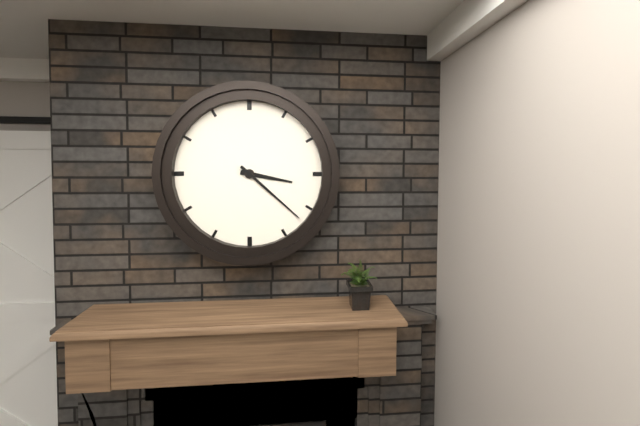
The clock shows **3:22**
